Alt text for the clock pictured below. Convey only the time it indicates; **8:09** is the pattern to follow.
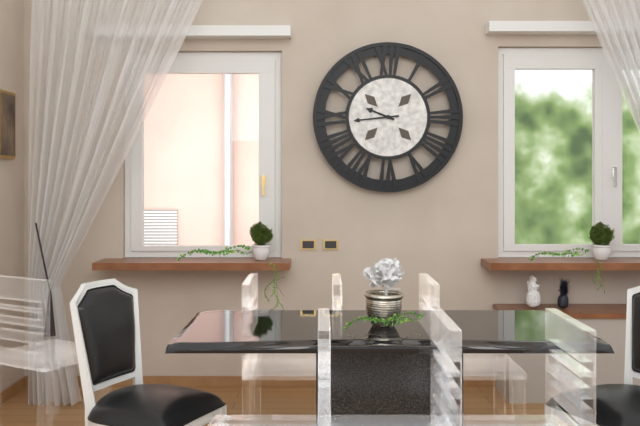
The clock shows **9:44**
